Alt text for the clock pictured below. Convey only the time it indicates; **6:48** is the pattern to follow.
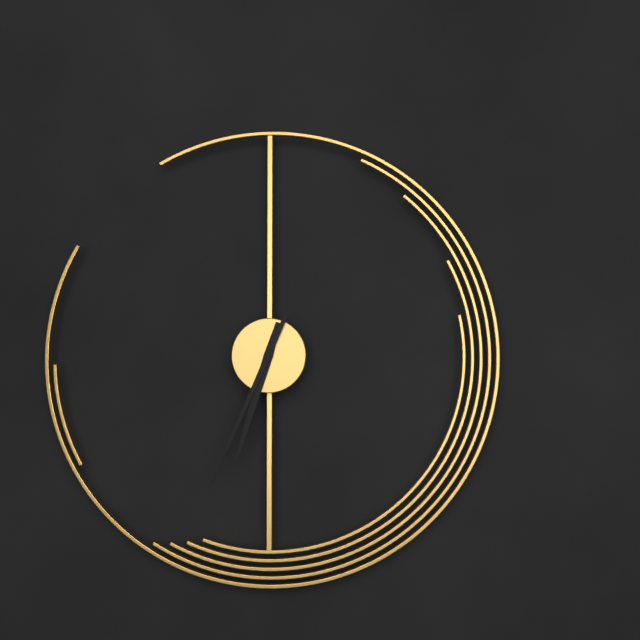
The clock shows **6:34**
